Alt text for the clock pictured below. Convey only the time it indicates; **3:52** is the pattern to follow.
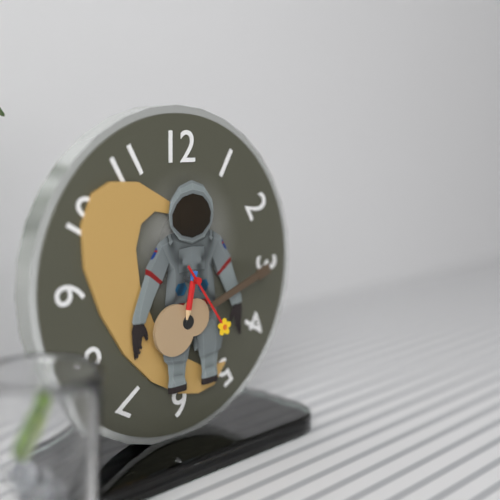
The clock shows **6:24**
